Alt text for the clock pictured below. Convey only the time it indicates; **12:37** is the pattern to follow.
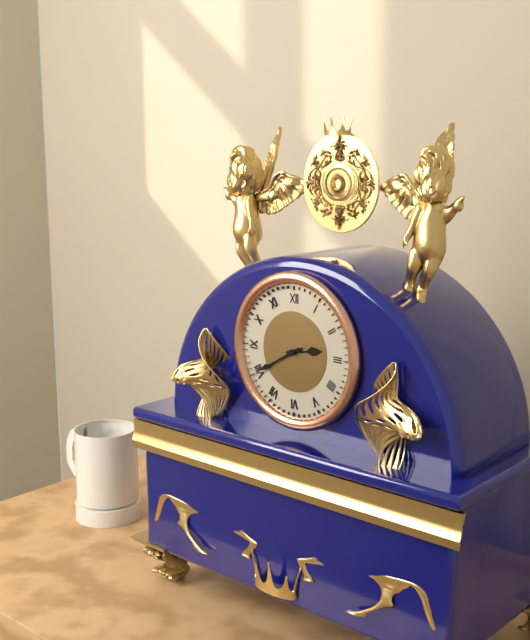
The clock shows **2:40**
